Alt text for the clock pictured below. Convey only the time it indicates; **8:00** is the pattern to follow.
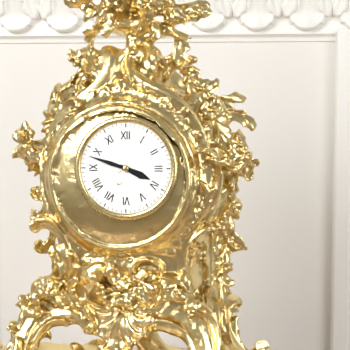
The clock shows **3:48**
